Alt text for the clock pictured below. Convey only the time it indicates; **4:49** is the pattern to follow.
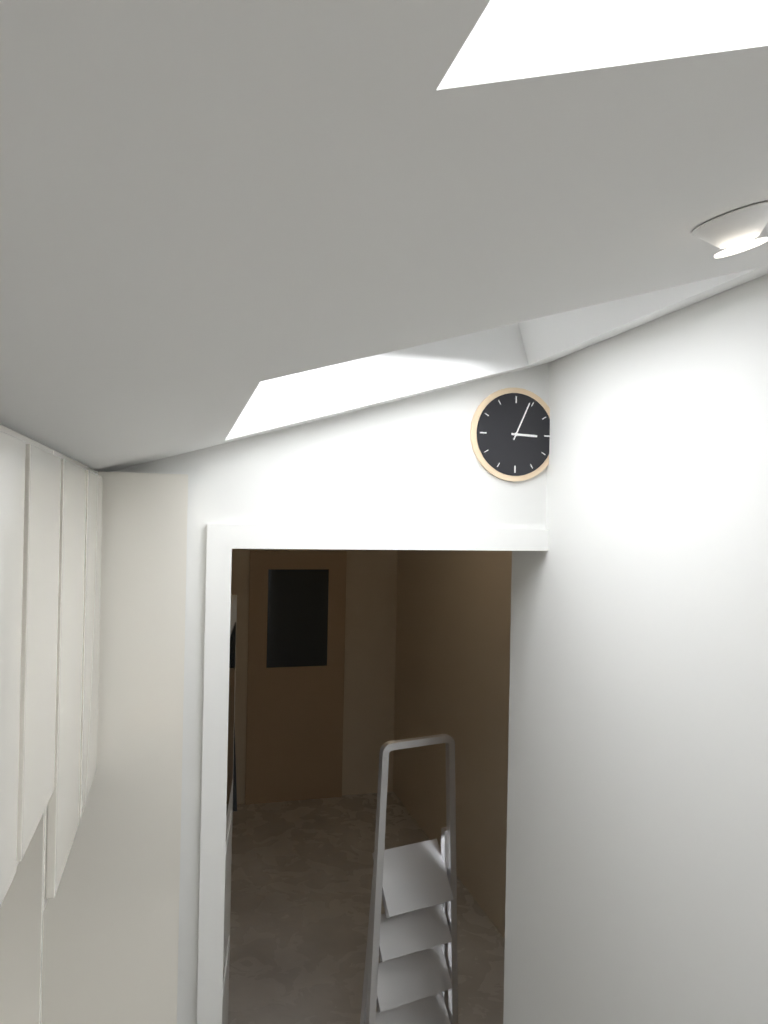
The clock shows **3:04**
